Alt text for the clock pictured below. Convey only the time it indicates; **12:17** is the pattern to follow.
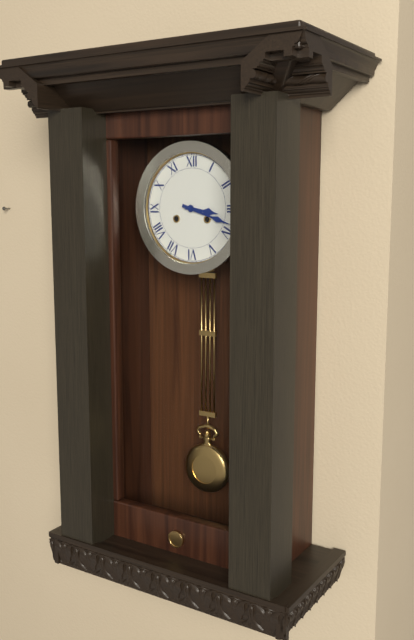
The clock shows **3:18**
